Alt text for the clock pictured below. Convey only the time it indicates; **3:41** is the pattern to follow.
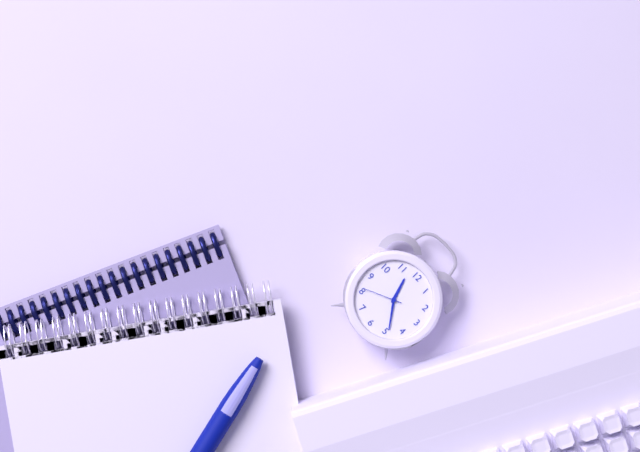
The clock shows **11:24**
